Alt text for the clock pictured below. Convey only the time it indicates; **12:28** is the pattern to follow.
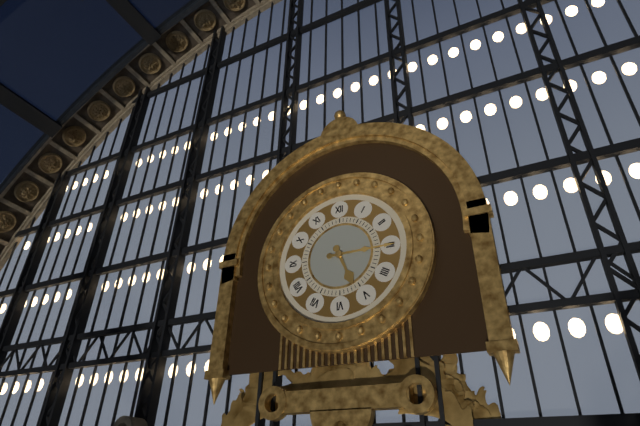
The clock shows **5:15**
